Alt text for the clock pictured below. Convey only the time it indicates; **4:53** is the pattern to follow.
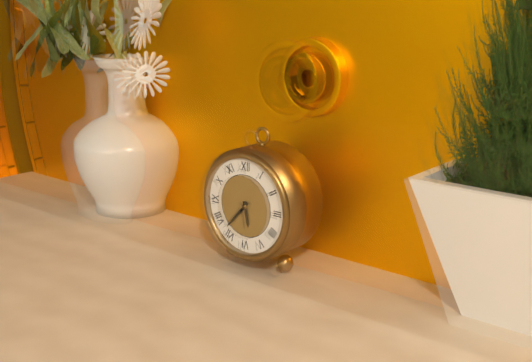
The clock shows **5:37**
